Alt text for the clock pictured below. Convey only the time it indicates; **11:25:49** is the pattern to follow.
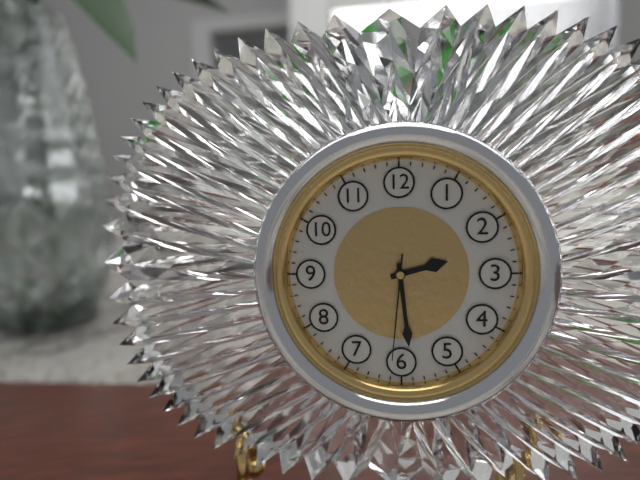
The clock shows **2:29:31**
